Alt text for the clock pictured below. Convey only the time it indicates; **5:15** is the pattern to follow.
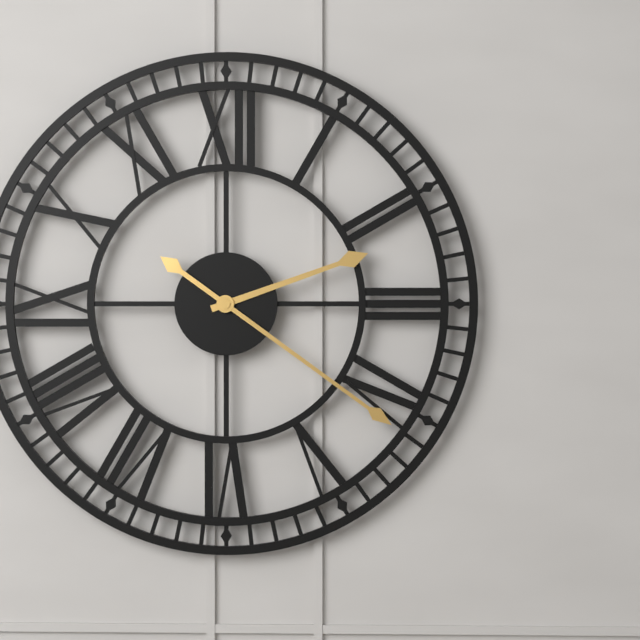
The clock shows **2:21**
